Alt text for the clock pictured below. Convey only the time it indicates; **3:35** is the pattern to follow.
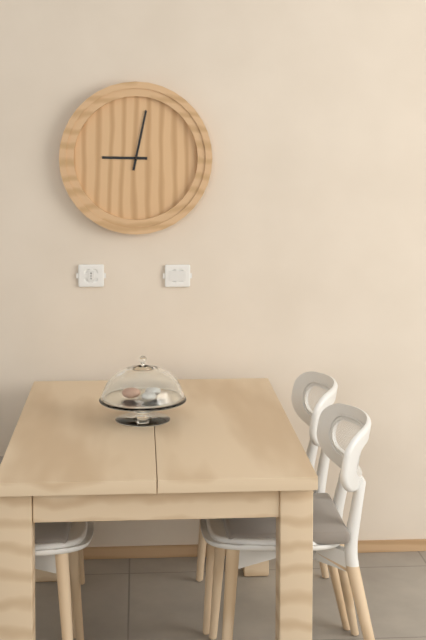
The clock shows **9:02**
